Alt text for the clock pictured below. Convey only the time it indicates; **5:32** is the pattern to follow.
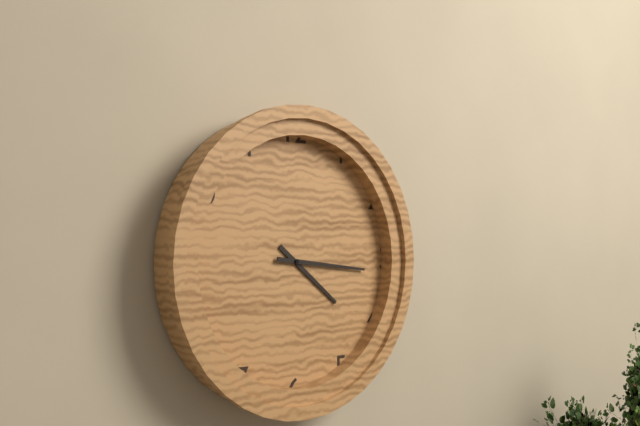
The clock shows **4:16**
